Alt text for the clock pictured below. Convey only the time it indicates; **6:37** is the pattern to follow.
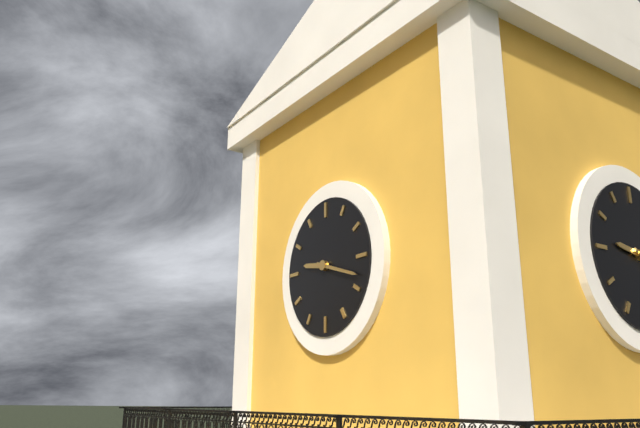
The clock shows **9:18**
